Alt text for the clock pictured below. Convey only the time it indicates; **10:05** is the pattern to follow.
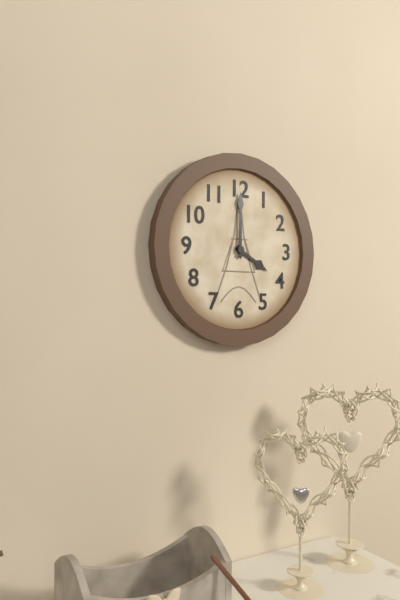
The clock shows **4:00**
